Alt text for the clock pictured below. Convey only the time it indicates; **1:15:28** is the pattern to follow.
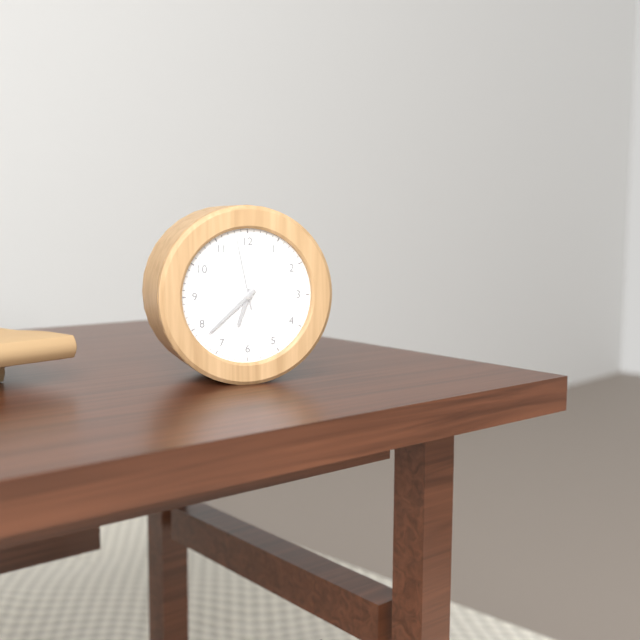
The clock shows **6:38:58**
